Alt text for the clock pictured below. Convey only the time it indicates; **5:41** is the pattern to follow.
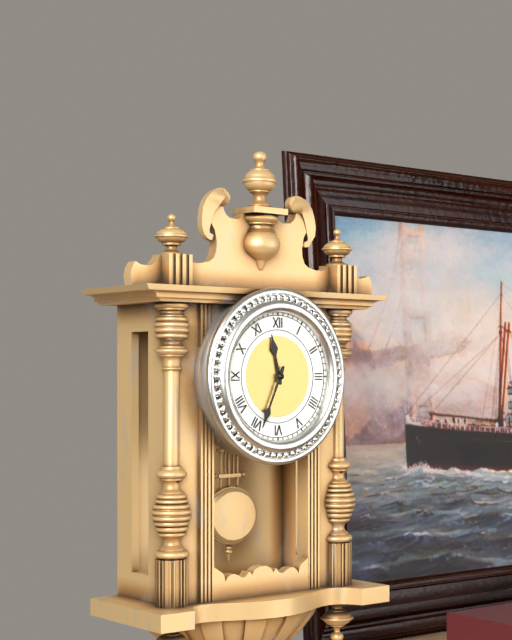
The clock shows **11:34**
